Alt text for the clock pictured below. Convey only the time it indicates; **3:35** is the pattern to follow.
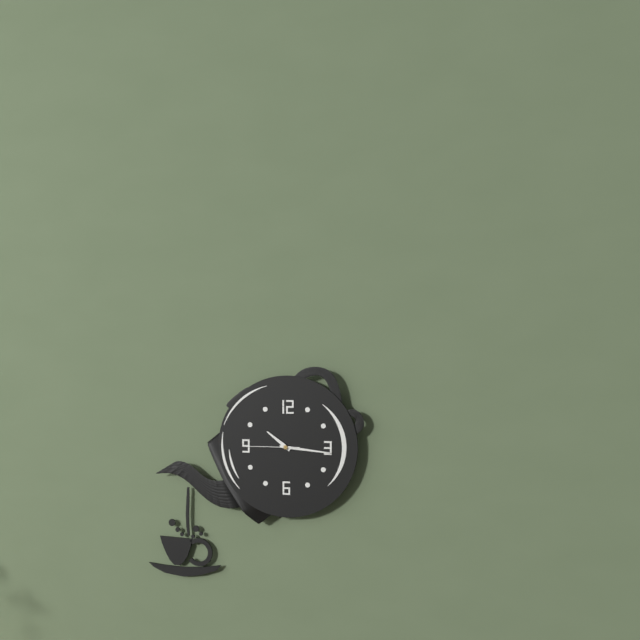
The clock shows **10:16**
